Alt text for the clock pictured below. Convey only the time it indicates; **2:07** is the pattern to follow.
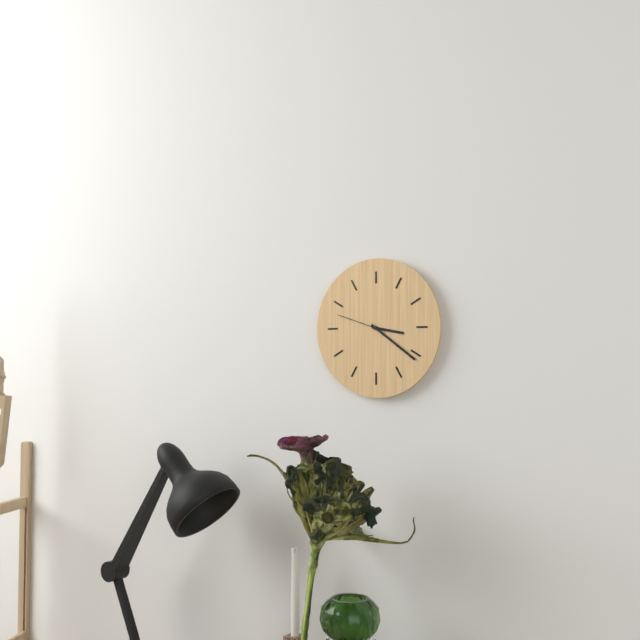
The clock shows **3:21**
